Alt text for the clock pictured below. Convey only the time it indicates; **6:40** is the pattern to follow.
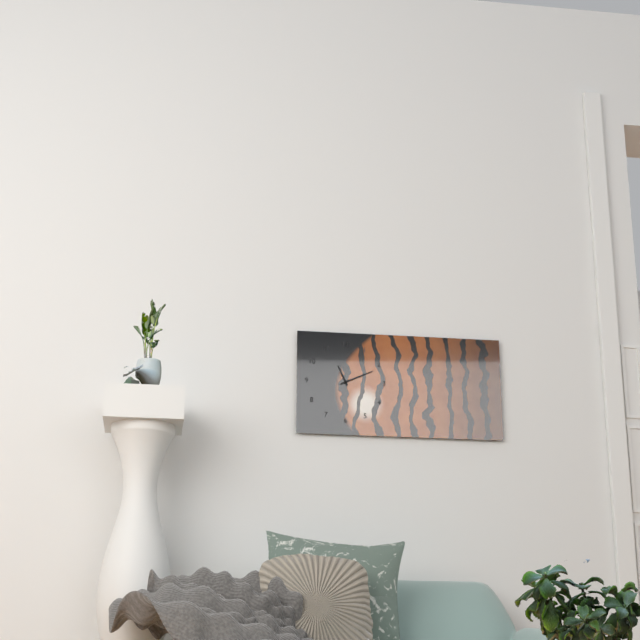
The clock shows **11:11**
